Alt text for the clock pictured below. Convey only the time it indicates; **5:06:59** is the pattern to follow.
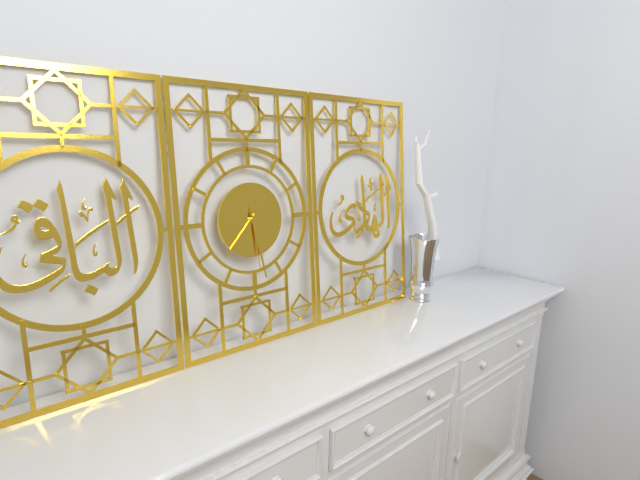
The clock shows **7:28:29**
